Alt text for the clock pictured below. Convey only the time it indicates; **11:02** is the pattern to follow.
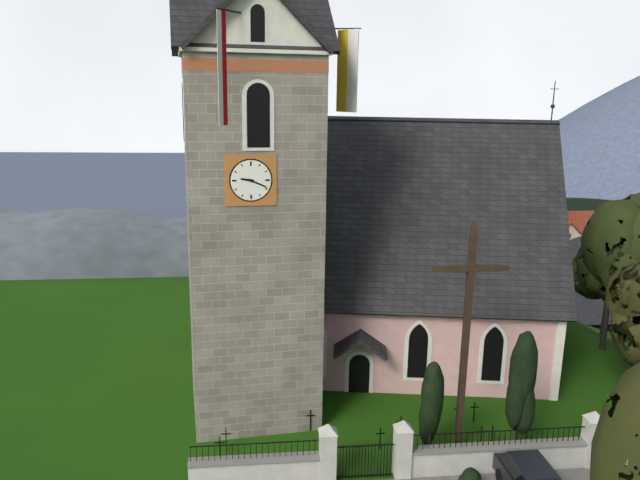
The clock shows **9:19**
